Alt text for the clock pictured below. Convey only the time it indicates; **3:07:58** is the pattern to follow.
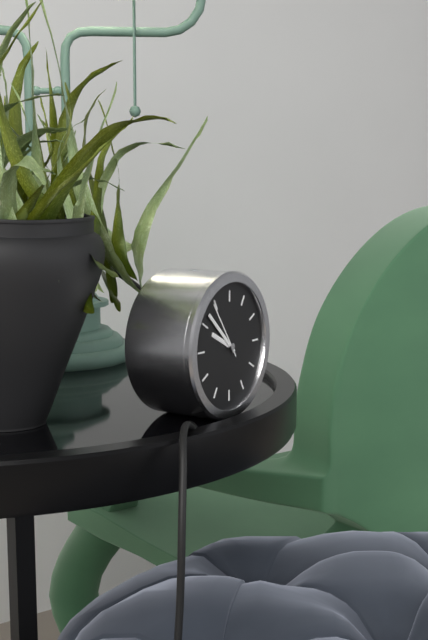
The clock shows **9:52:54**
